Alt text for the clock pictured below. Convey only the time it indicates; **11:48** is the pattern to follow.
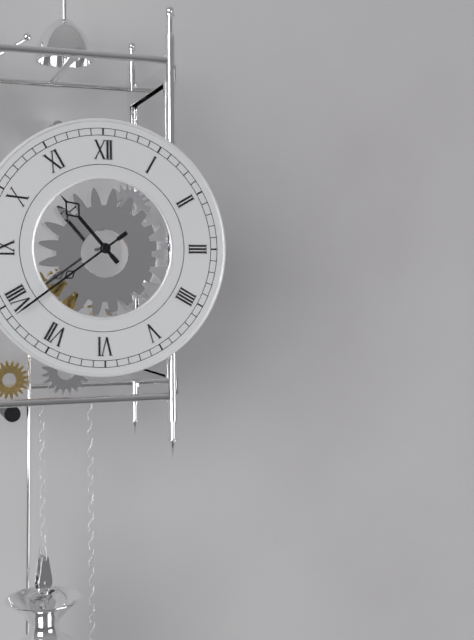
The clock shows **10:39**
